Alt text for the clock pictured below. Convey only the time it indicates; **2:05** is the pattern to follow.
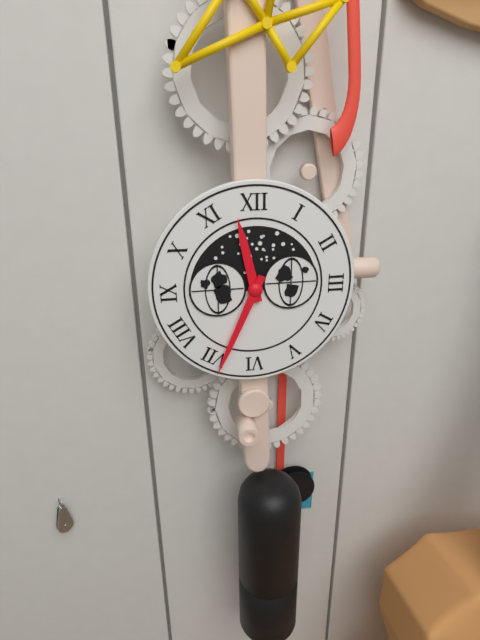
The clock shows **11:34**
